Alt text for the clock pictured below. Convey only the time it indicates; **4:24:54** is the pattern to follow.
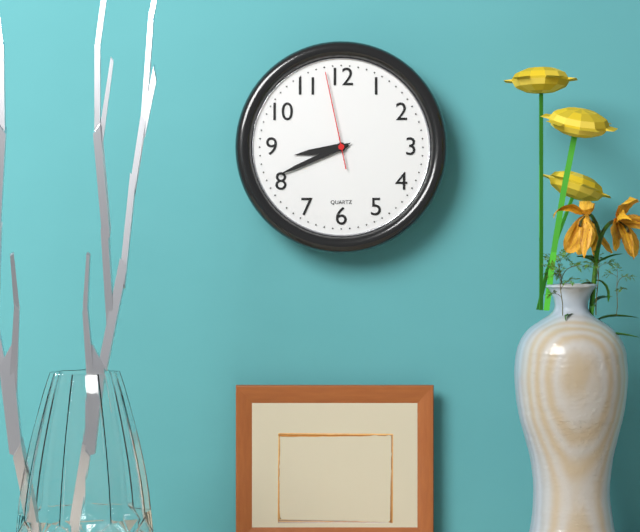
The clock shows **8:41:58**
